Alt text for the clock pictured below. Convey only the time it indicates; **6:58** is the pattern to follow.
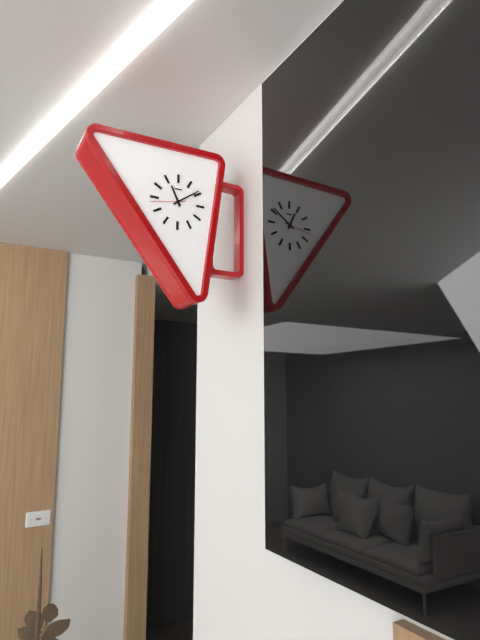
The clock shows **11:09**
